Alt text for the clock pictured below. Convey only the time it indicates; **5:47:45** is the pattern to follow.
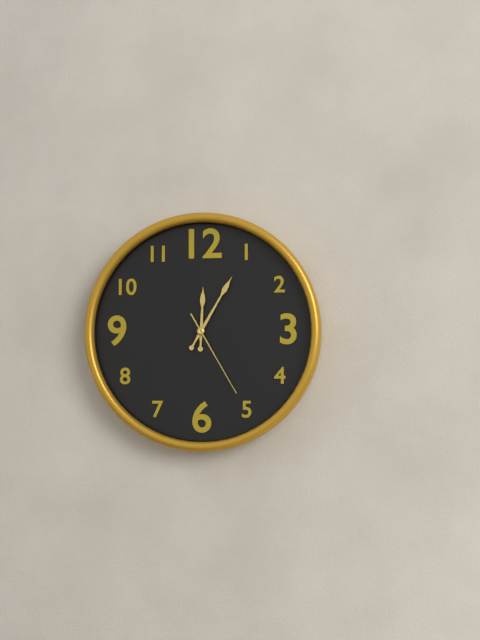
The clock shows **12:05:25**
